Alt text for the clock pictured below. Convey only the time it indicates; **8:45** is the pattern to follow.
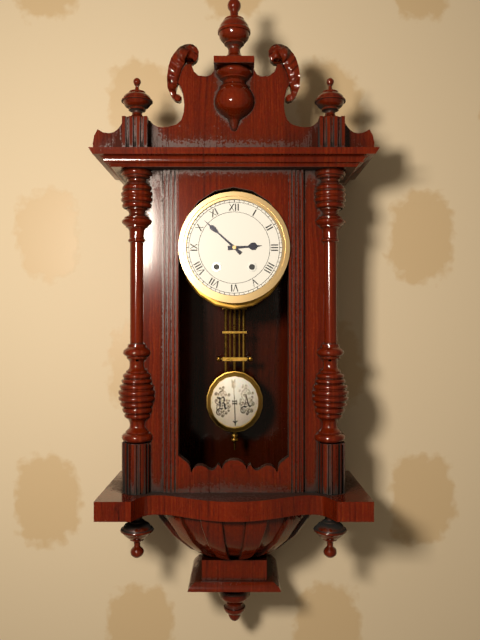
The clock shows **2:52**
